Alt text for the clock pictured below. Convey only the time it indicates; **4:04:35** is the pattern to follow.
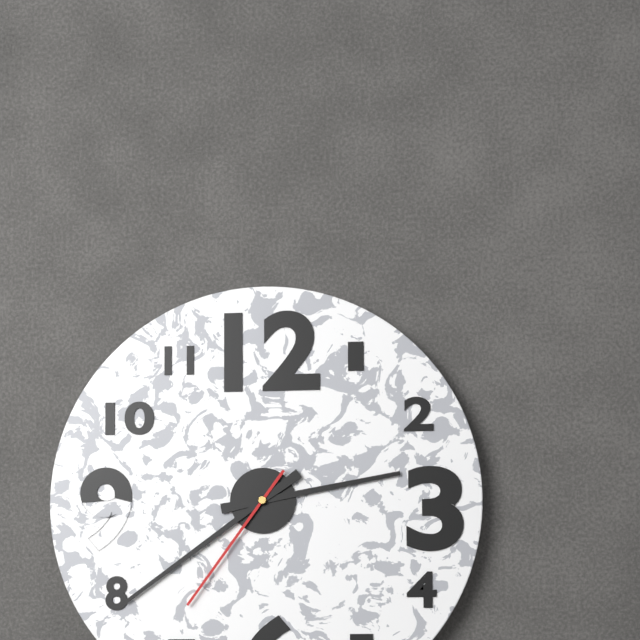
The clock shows **2:39:36**
